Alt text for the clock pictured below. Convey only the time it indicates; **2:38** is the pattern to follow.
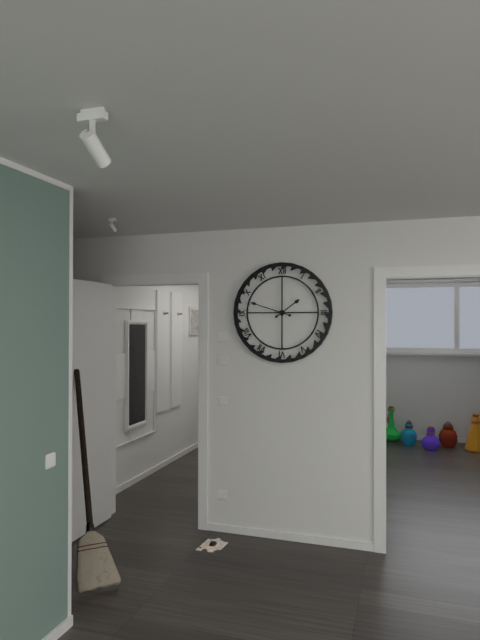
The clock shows **1:48**
